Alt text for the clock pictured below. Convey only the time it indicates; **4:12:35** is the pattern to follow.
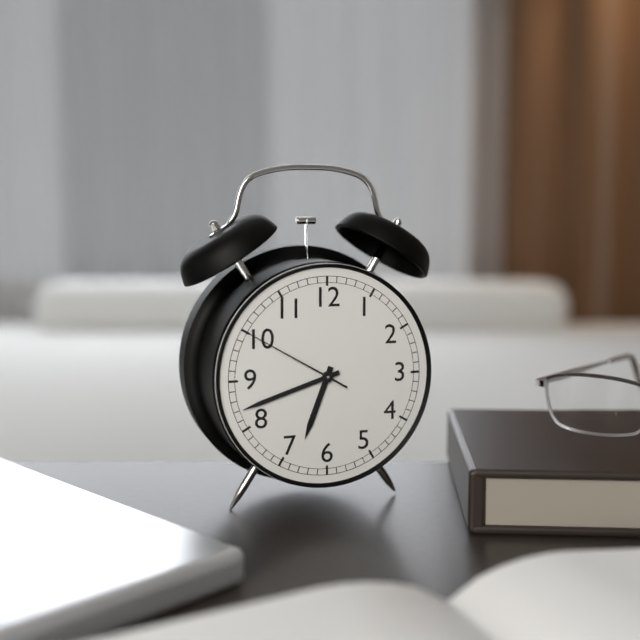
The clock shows **6:42:50**
